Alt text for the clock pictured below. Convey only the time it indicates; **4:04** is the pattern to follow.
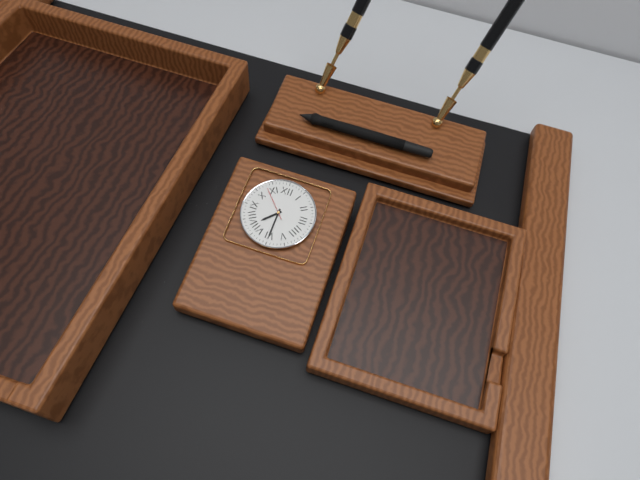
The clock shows **7:30**
